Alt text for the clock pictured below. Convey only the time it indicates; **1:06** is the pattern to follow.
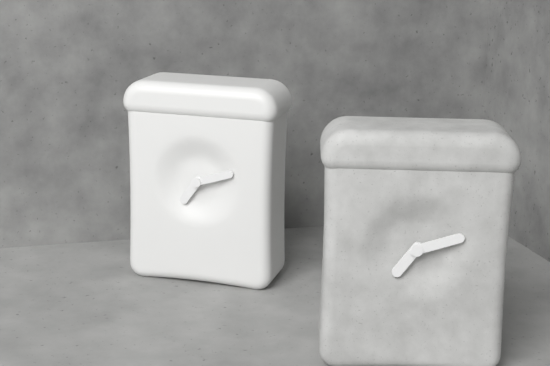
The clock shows **7:12**
